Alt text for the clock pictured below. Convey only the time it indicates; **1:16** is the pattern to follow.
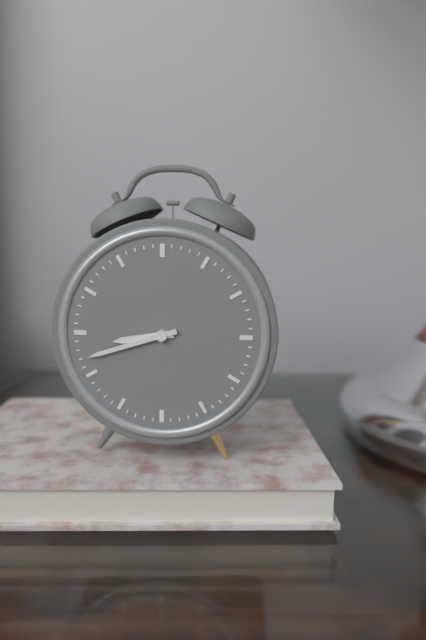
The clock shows **8:42**
